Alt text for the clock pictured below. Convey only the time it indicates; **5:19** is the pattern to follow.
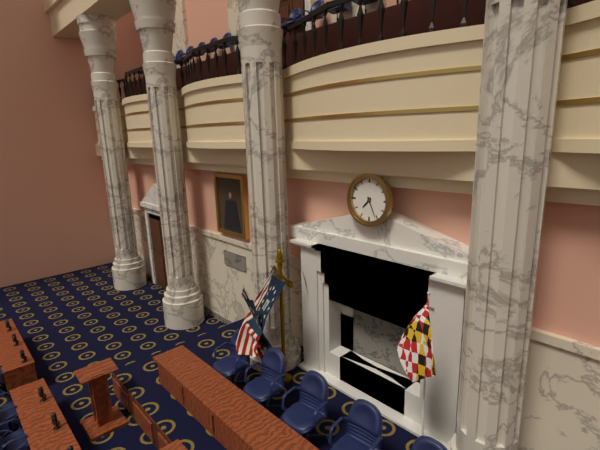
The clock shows **7:26**
